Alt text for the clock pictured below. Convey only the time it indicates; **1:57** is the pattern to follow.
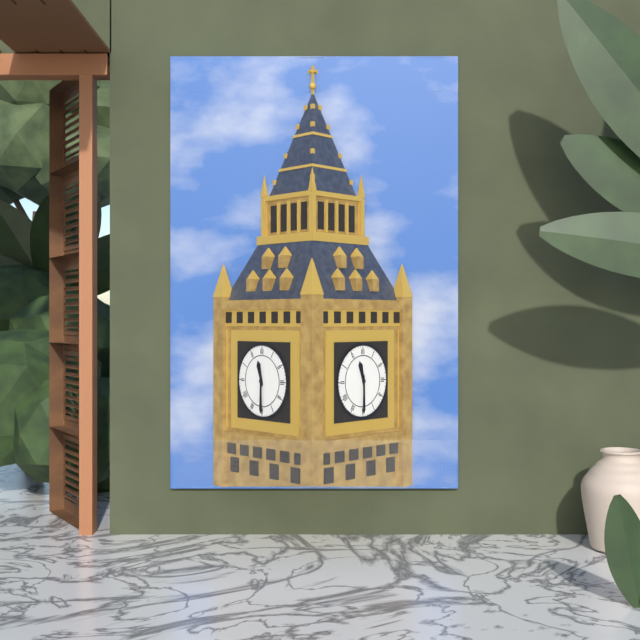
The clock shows **11:30**
